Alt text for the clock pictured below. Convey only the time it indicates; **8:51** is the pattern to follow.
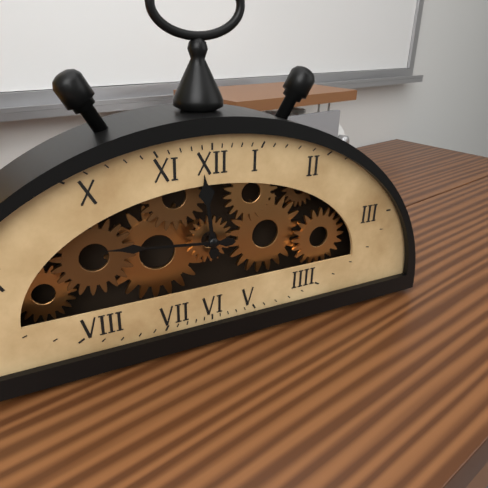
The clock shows **11:46**
